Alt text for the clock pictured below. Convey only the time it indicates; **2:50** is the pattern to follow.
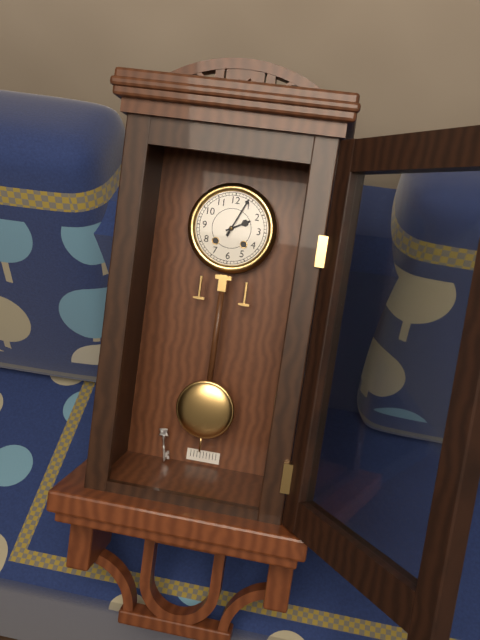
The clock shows **2:04**
